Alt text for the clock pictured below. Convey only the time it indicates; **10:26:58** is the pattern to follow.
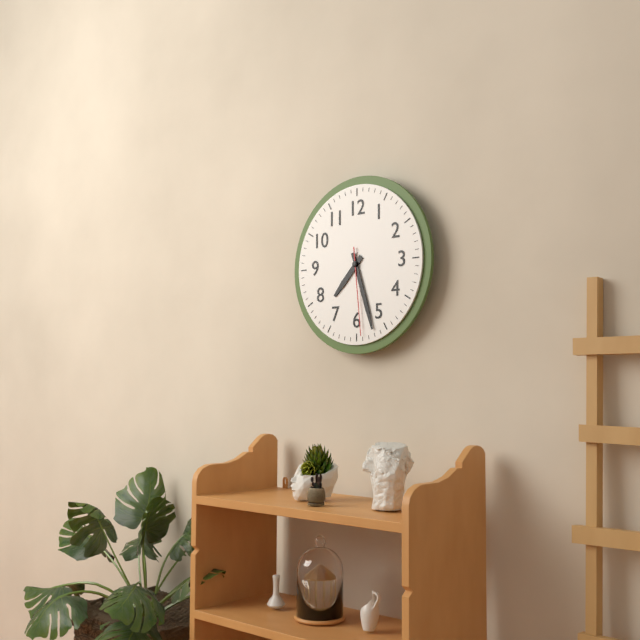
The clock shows **7:27:29**
